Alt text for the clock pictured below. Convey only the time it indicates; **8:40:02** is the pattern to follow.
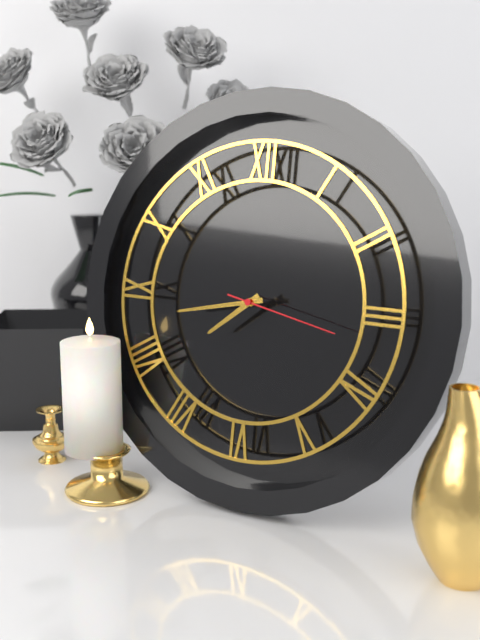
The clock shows **7:43:17**
